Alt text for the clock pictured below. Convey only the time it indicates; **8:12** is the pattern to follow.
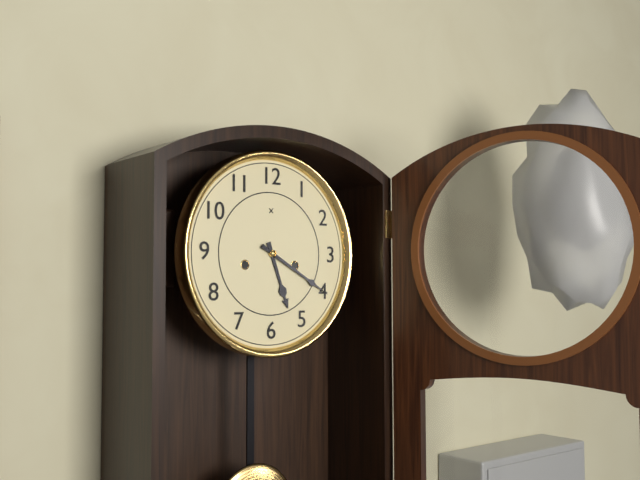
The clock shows **5:20**
